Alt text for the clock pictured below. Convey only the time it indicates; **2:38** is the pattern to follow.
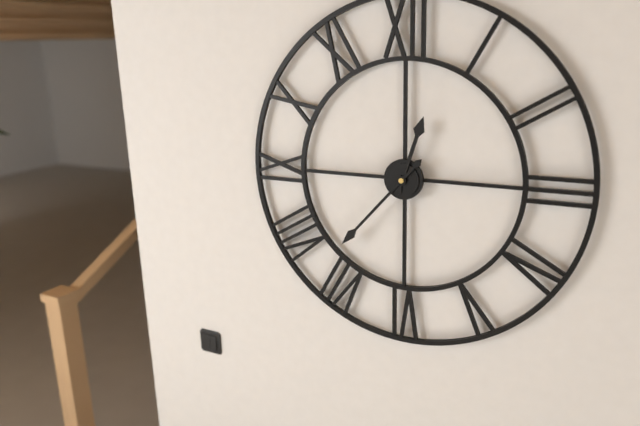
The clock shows **12:37**
